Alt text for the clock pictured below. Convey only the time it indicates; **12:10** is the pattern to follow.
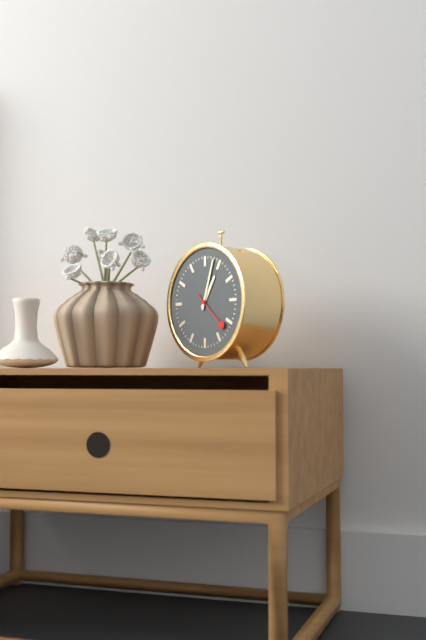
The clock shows **1:03**
